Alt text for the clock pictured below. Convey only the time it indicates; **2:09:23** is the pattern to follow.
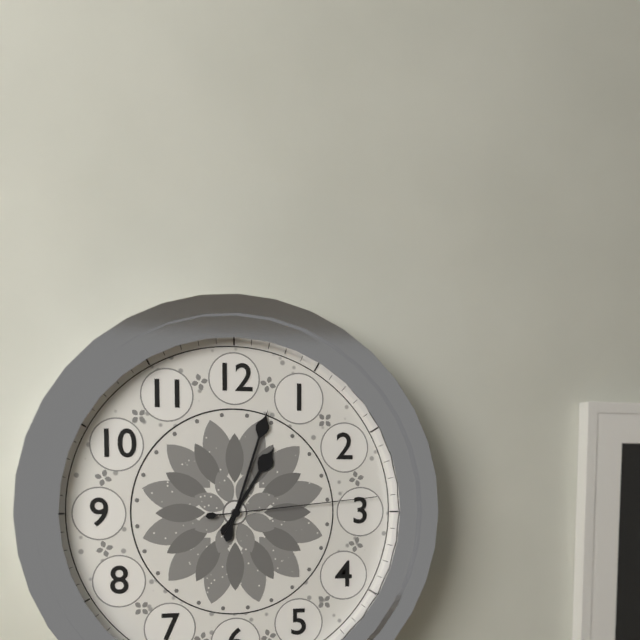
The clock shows **1:03:14**
